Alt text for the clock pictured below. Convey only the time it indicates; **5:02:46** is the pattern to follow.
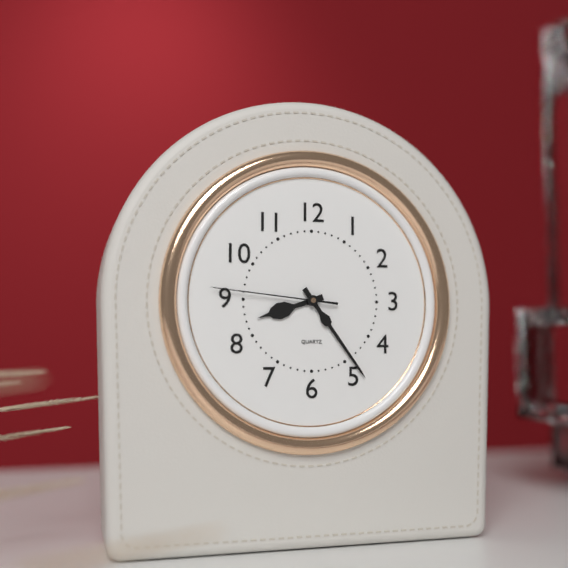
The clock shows **8:24:46**
